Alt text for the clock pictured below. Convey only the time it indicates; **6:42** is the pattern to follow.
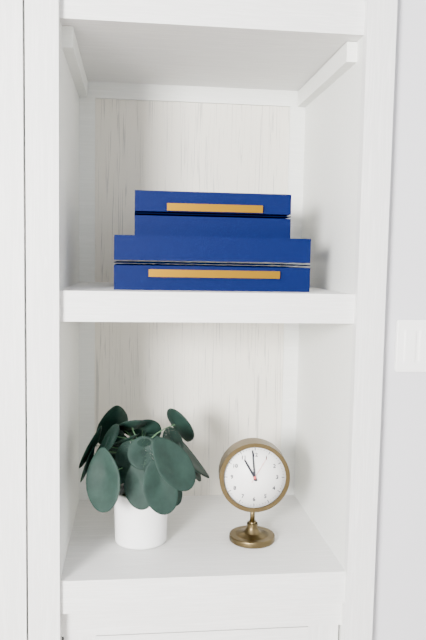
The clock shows **10:59**
